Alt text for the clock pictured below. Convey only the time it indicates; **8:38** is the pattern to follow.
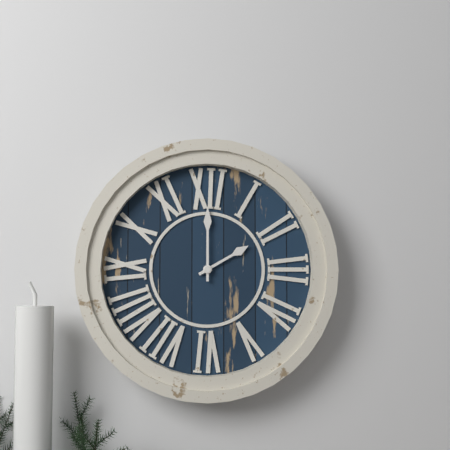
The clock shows **2:00**
